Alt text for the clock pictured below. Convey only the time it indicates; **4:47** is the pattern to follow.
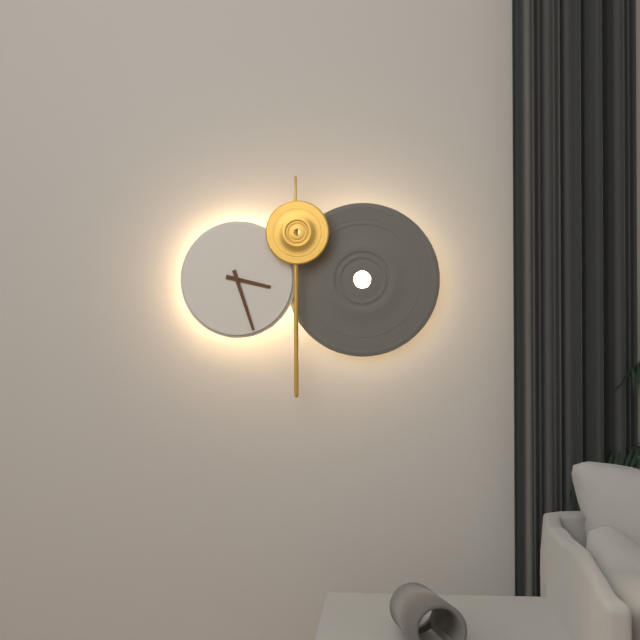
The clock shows **3:27**
